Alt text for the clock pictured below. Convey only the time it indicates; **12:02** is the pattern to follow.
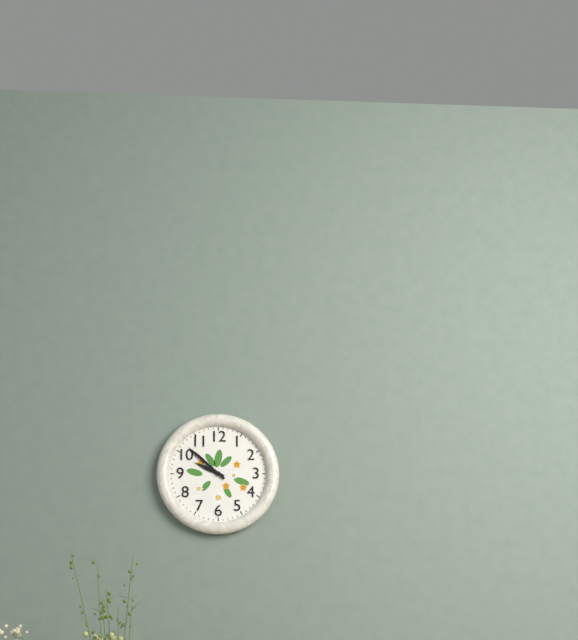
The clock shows **9:52**
